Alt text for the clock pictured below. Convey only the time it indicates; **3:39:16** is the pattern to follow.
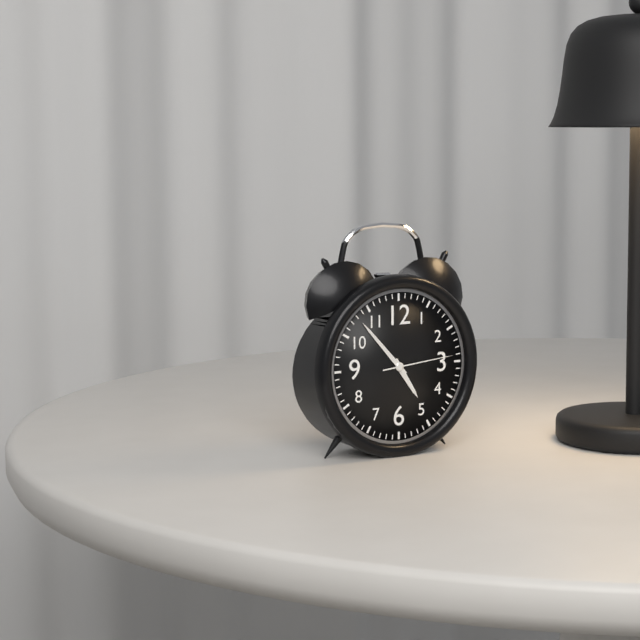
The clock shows **4:53:14**
